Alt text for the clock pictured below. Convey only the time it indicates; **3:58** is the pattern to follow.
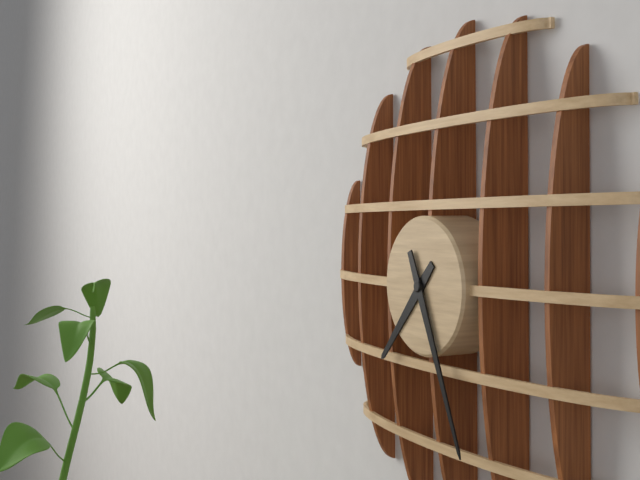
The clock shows **7:26**
